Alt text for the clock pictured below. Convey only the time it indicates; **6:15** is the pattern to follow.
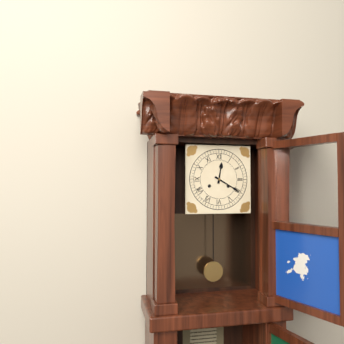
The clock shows **12:20**
